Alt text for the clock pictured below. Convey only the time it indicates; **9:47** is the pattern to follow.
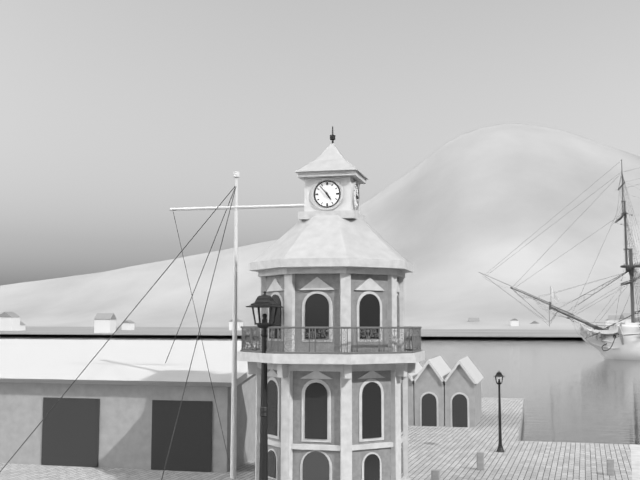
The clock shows **4:53**
